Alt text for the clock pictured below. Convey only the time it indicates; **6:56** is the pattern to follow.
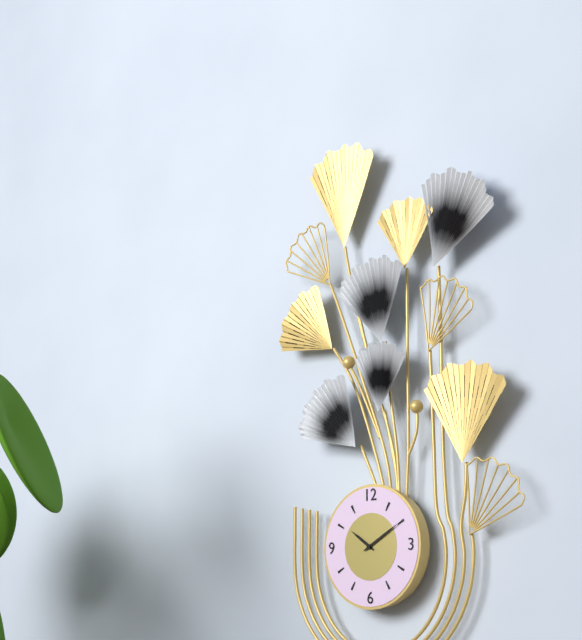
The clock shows **10:10**
